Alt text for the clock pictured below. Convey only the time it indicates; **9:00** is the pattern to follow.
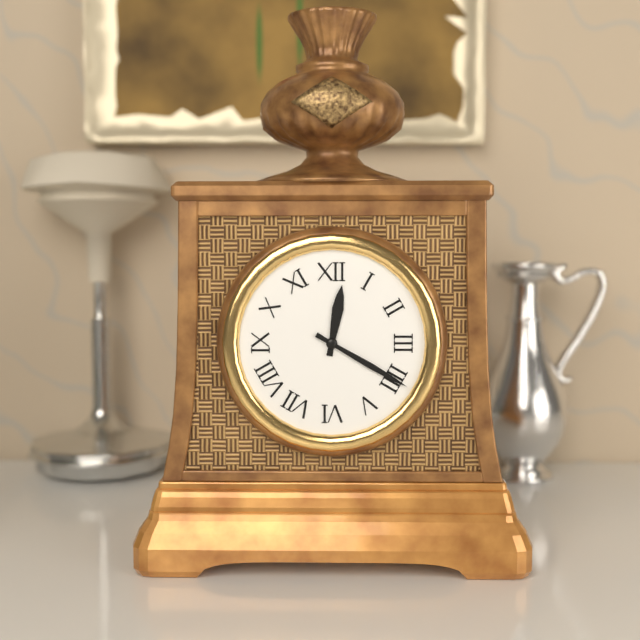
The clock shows **12:20**
